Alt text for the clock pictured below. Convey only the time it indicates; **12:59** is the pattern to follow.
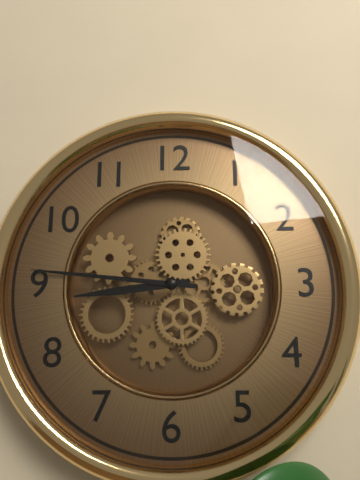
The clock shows **8:46**
